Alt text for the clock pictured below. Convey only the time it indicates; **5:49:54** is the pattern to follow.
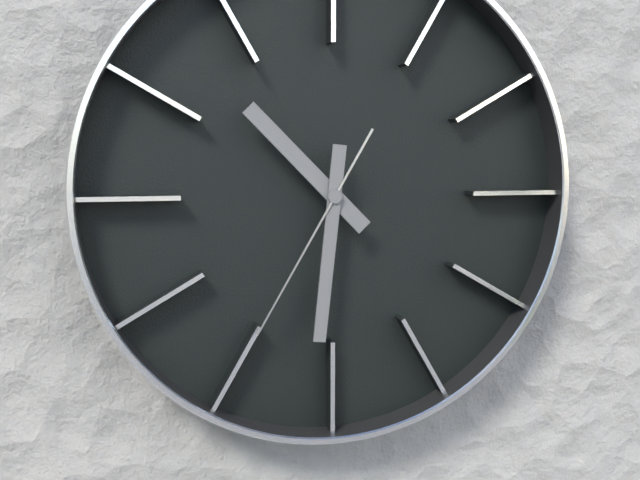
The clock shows **10:31:35**
